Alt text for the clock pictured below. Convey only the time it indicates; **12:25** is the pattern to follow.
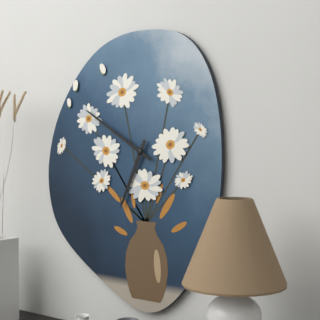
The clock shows **6:50**
